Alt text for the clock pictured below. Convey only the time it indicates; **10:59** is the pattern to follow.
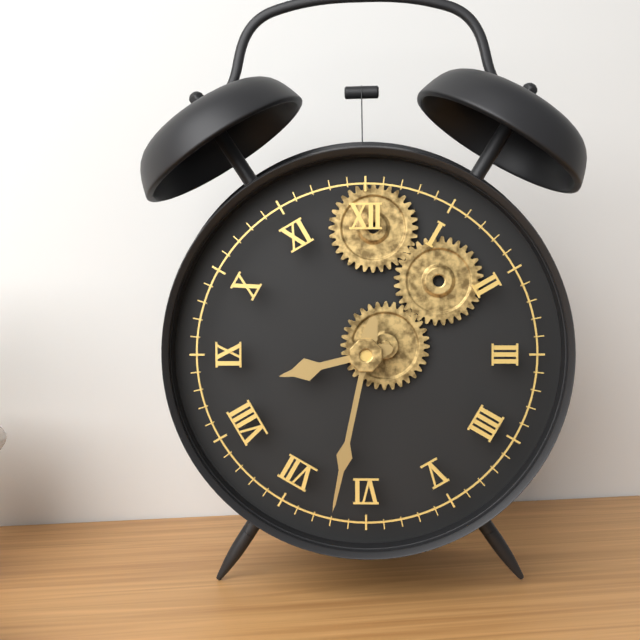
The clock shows **8:32**
